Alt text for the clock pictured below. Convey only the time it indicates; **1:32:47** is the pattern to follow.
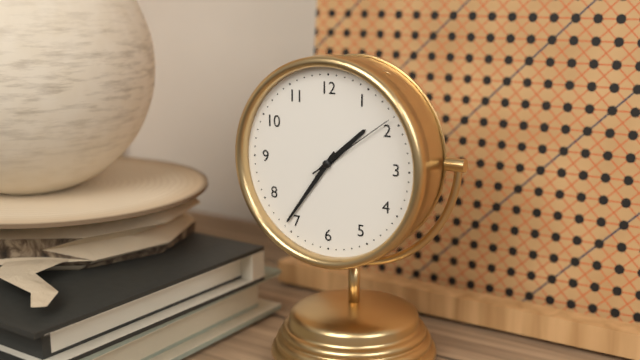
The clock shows **1:36:09**
